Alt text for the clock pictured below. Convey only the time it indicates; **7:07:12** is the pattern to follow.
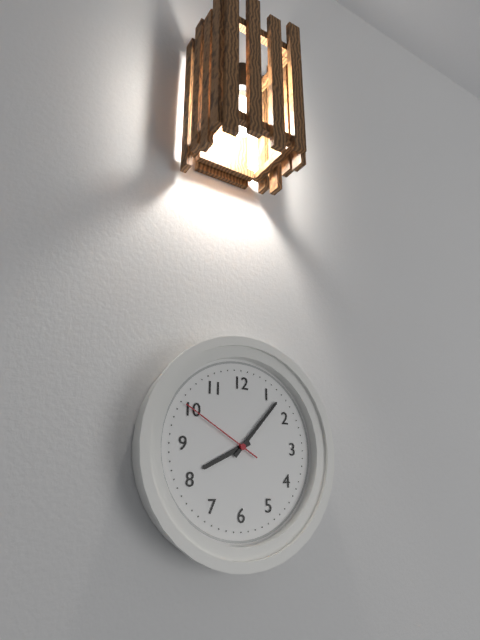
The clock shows **8:07:50**
